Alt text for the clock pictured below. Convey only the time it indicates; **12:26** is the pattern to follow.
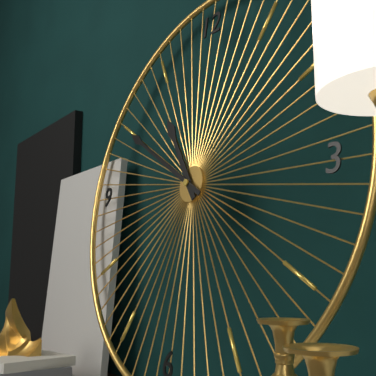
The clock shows **10:50**
